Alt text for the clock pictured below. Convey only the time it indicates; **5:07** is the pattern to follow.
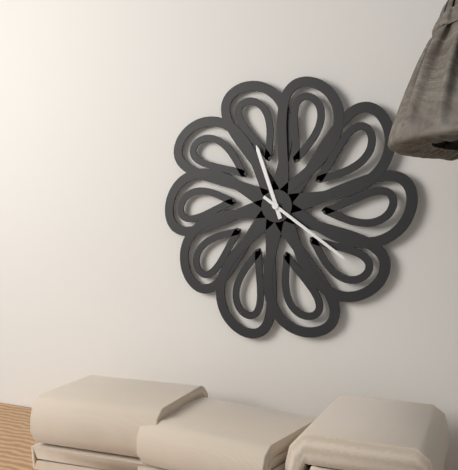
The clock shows **11:21**
